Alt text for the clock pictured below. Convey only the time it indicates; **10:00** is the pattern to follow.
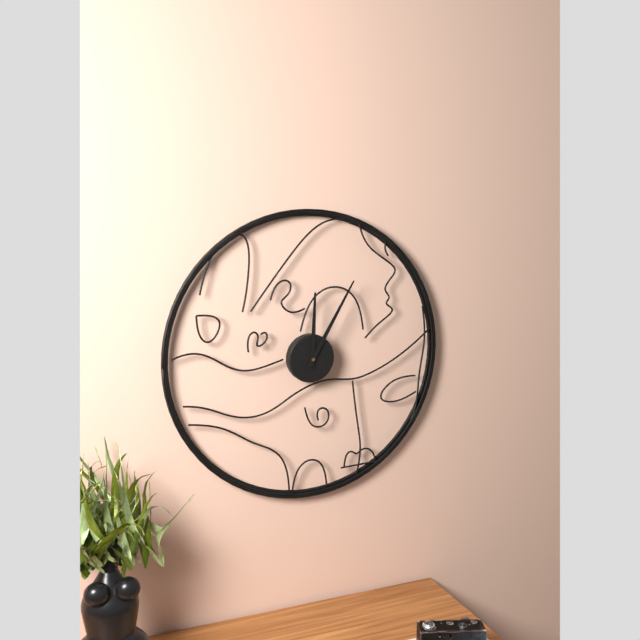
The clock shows **12:05**
